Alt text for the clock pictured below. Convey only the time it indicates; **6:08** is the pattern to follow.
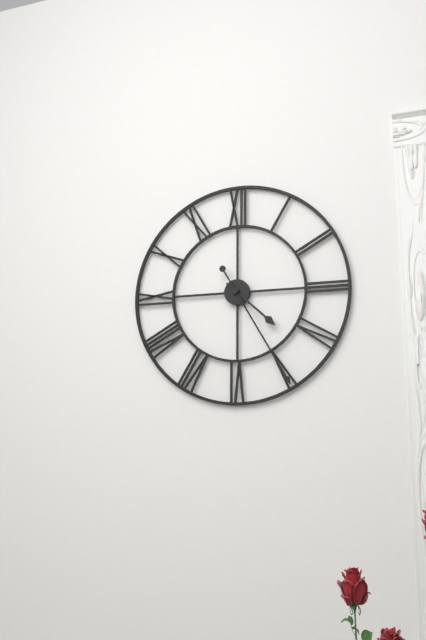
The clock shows **4:25**
